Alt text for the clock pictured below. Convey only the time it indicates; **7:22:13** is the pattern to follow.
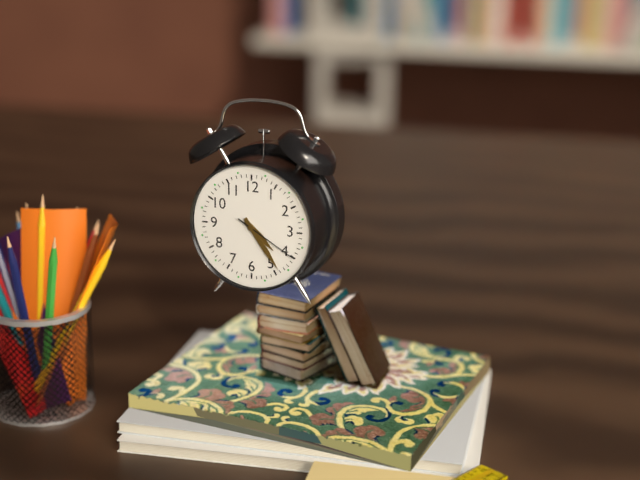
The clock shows **4:24:20**
